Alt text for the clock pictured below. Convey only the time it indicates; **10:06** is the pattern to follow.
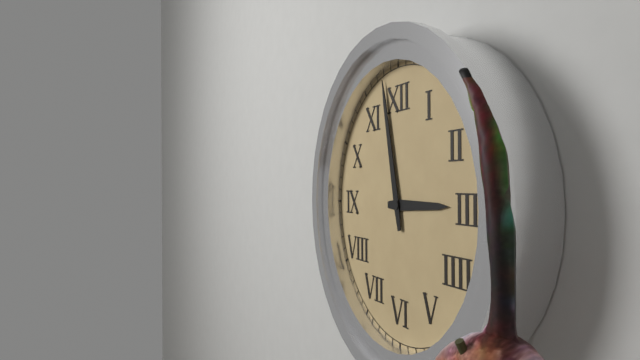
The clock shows **2:58**
